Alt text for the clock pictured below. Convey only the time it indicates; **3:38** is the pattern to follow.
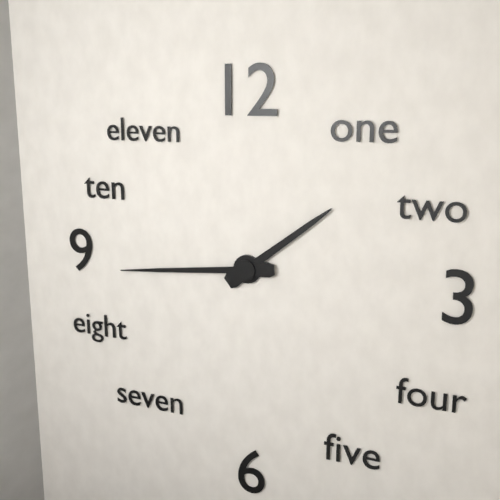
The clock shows **1:44**
